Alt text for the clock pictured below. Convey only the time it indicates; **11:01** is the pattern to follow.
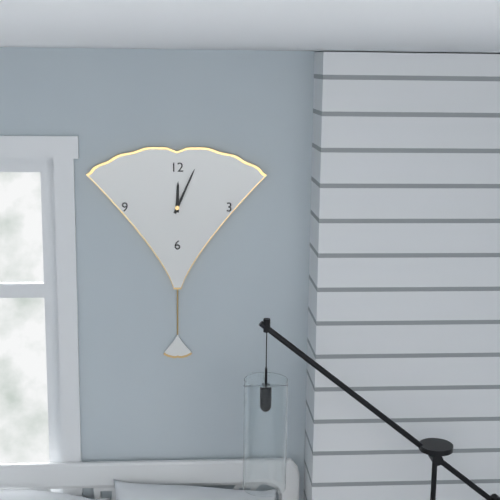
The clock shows **12:04**
